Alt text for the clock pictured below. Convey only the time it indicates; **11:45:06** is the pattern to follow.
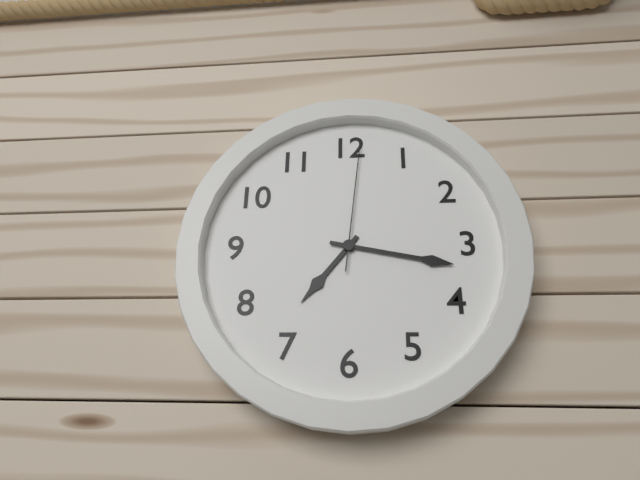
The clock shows **7:17:01**
